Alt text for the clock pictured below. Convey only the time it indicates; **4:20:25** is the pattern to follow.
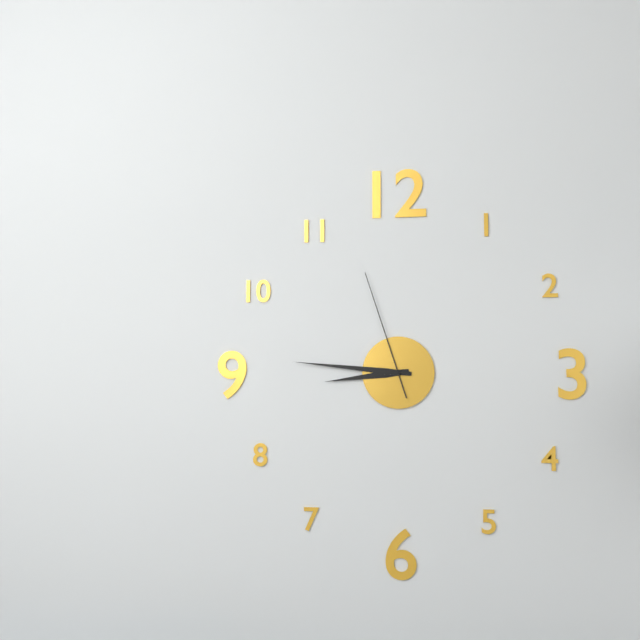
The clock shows **8:46:57**
